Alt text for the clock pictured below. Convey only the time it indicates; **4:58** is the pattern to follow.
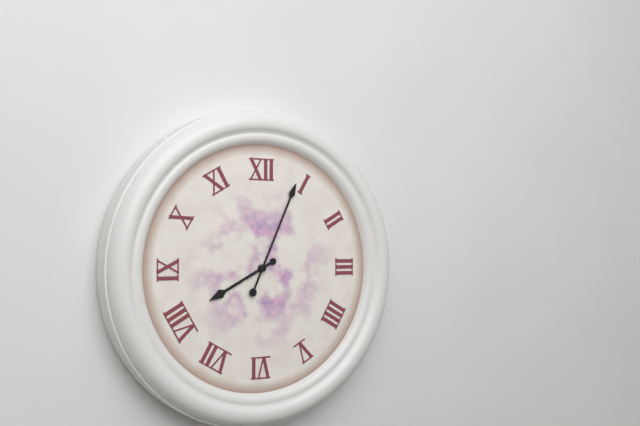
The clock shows **8:04**
